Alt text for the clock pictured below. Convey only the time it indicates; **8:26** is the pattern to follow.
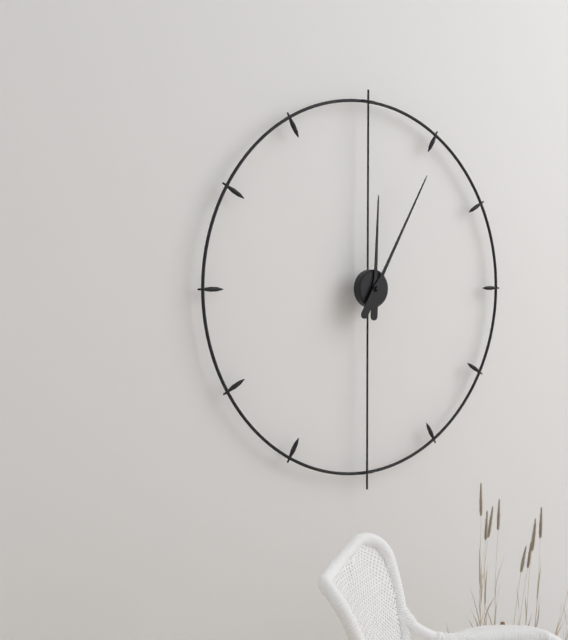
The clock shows **12:05**
